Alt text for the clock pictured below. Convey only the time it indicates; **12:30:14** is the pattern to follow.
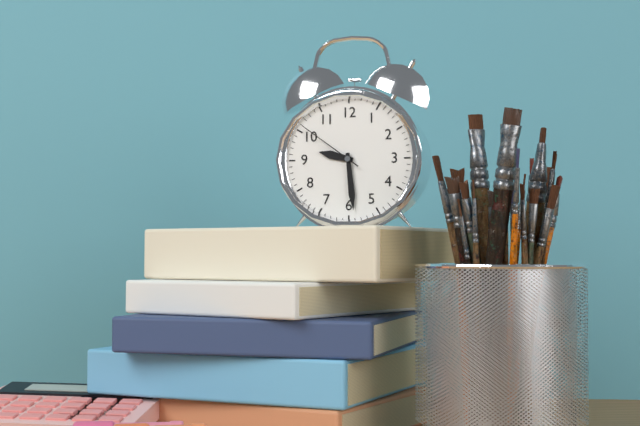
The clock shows **9:29:51**
